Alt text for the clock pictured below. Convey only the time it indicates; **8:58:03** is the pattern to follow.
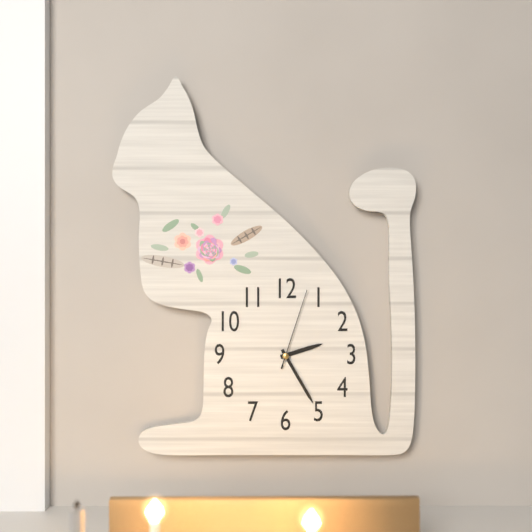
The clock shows **2:25:03**
